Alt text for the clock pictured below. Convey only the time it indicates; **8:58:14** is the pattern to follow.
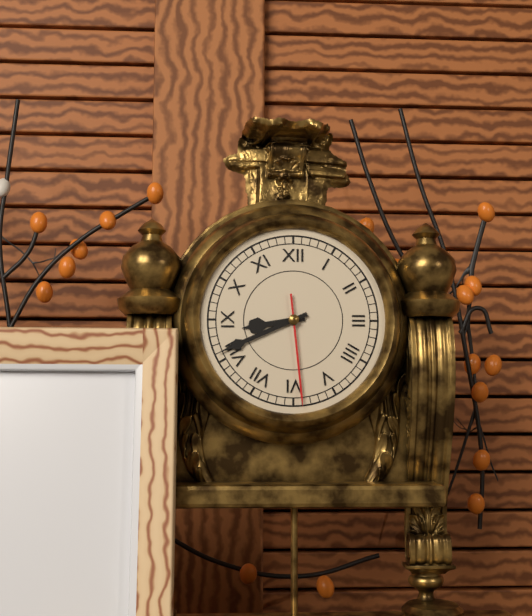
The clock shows **8:41:29**
